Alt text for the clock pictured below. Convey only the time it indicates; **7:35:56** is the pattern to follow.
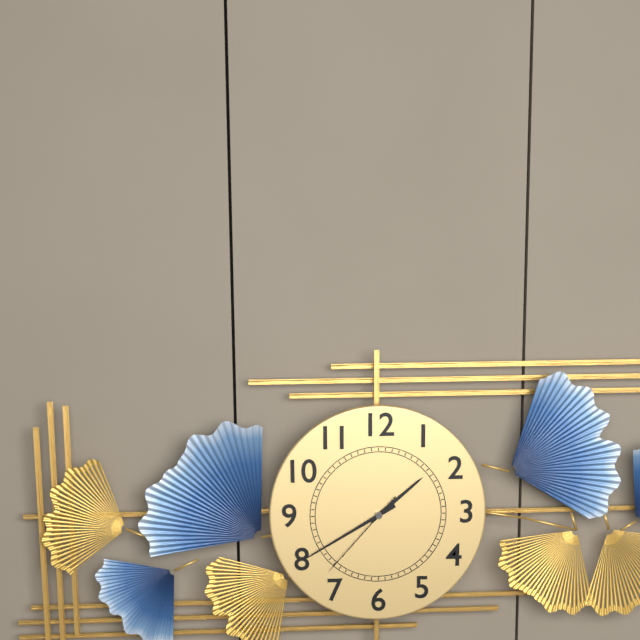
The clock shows **1:40:37**
